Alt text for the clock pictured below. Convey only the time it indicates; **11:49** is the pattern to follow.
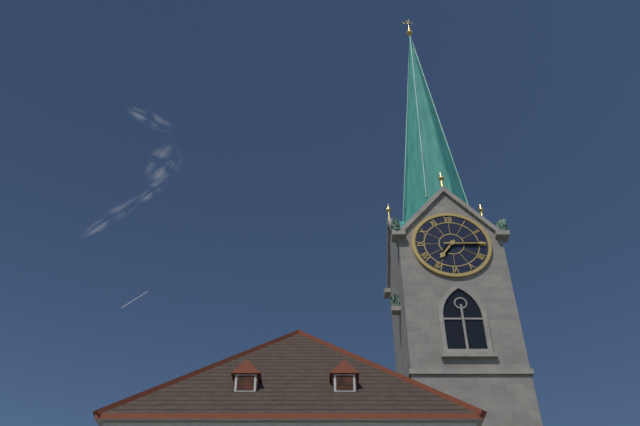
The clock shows **7:15**
